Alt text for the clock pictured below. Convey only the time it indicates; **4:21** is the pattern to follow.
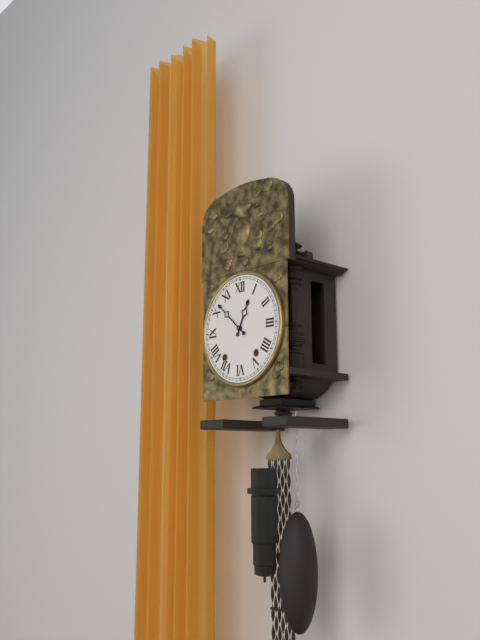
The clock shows **12:52**
